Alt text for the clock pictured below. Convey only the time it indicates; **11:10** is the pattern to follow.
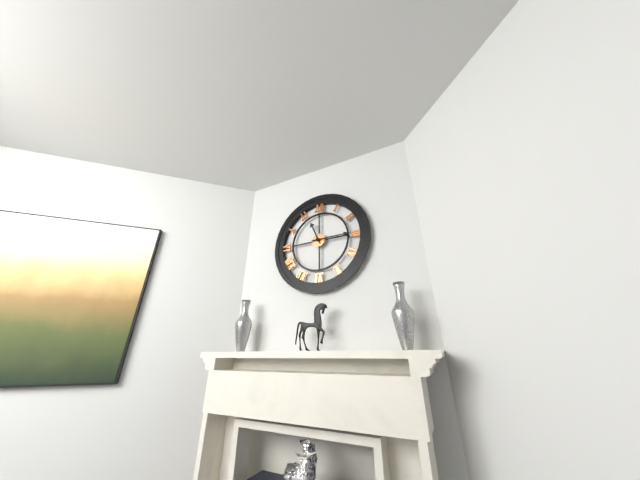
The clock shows **11:15**
